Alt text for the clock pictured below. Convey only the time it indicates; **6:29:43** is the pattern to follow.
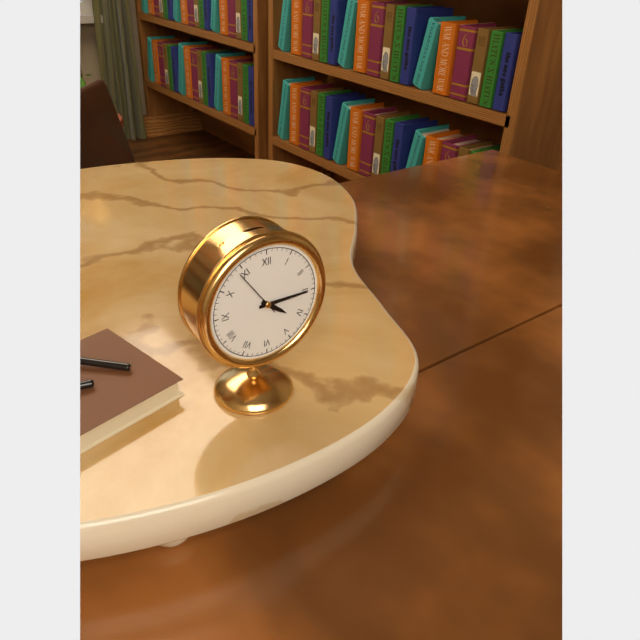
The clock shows **4:15:54**
